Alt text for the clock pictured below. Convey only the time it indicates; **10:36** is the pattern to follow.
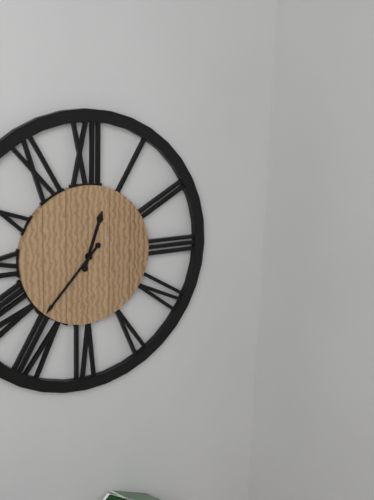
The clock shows **12:37**
